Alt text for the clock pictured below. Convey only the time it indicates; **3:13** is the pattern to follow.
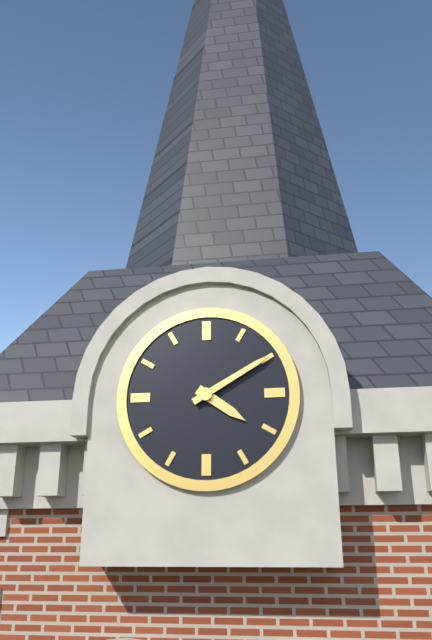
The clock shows **4:10**
